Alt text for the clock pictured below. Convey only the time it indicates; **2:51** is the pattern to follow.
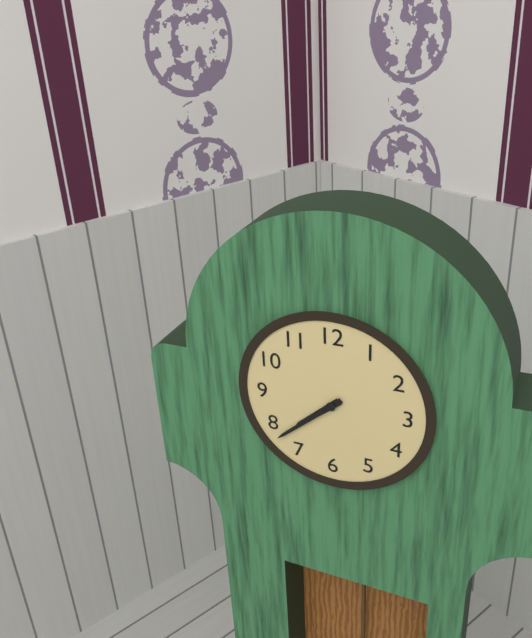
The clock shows **7:38**
